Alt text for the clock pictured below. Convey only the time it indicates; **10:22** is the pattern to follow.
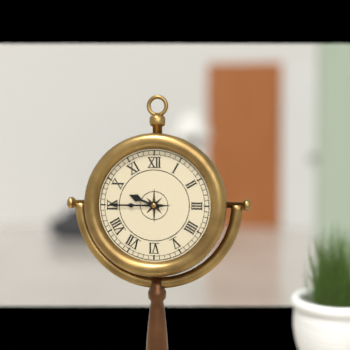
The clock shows **9:45**
